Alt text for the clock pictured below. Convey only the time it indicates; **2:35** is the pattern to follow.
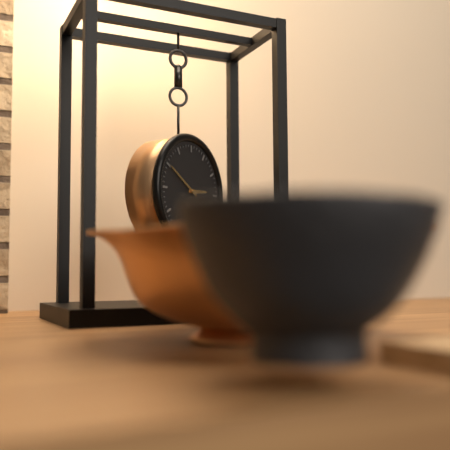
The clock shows **2:50**
